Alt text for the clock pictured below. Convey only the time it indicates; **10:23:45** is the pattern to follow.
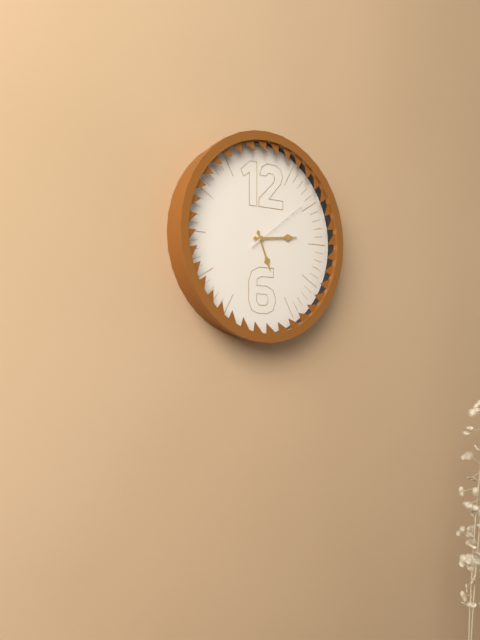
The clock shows **5:14:09**
